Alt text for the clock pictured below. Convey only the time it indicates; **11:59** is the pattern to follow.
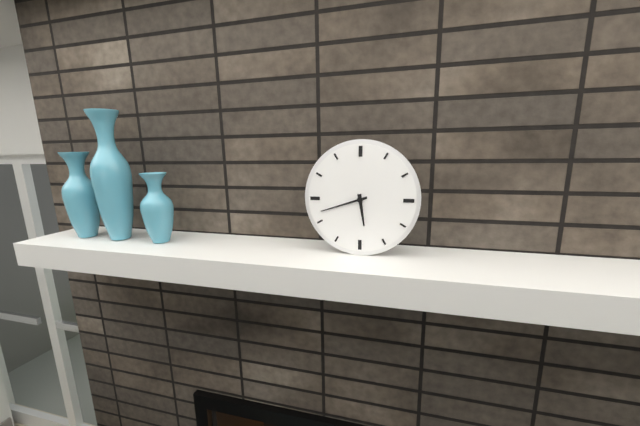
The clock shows **5:42**
